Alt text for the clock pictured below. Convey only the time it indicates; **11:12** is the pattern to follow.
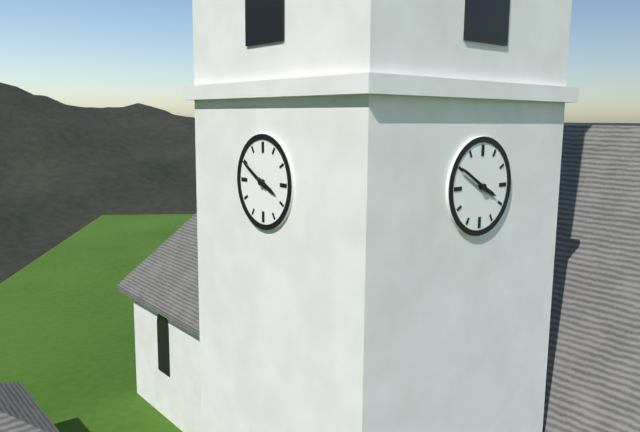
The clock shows **3:50**
